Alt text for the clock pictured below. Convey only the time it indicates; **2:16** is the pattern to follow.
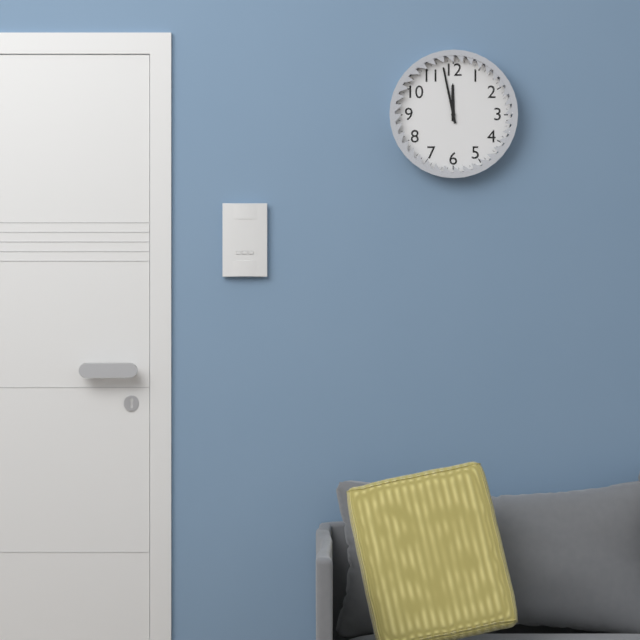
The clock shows **11:58**
